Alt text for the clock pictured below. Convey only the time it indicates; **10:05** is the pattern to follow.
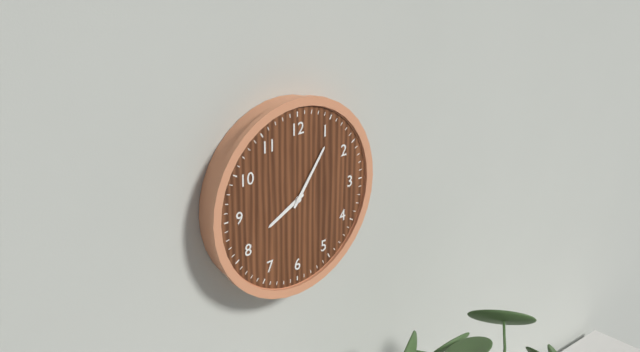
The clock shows **8:06**
